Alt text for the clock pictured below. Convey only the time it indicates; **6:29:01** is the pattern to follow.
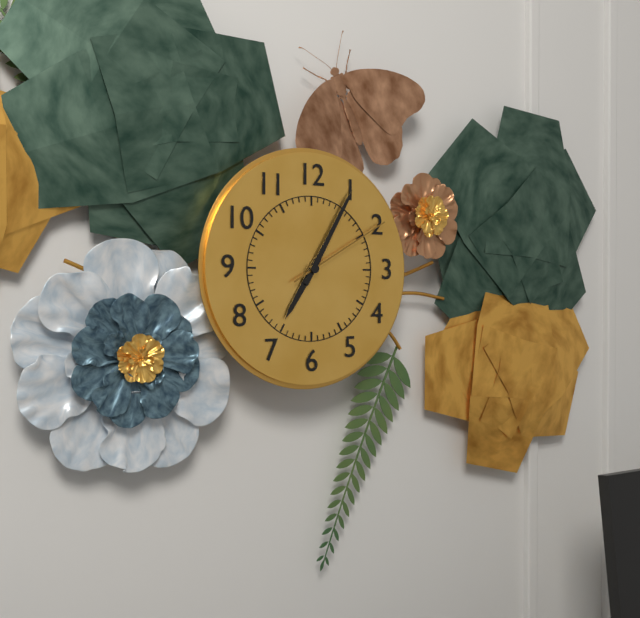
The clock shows **7:05:10**
